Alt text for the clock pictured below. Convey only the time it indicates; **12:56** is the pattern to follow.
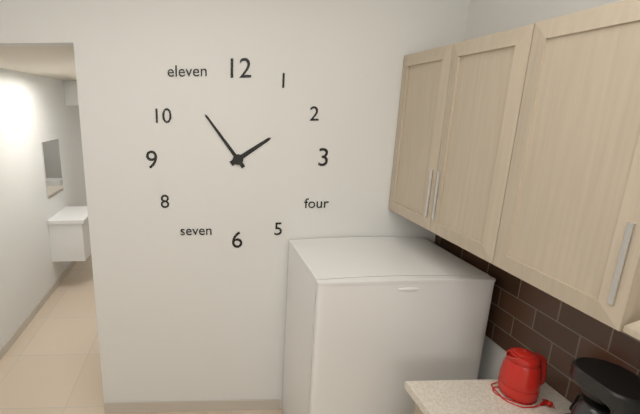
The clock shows **1:54**
